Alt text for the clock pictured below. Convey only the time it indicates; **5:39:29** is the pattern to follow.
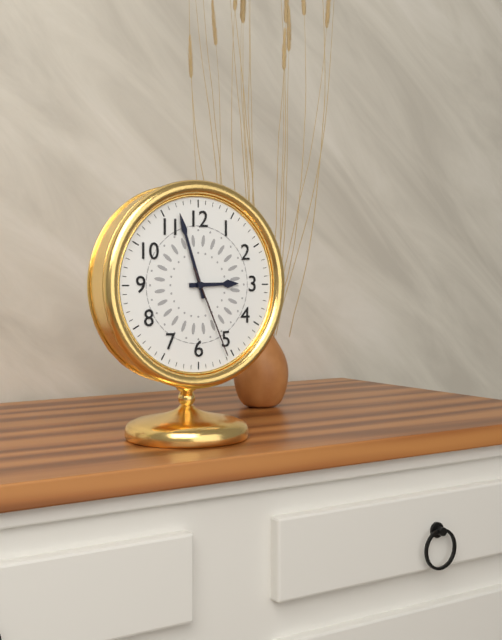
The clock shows **2:57:26**
